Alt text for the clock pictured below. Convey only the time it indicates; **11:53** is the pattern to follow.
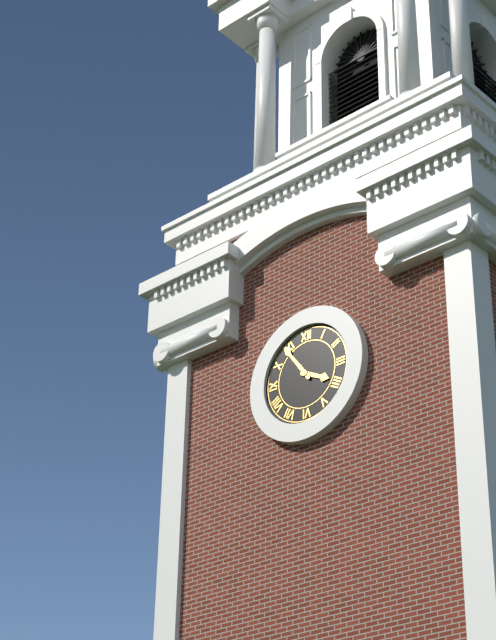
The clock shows **3:54**
